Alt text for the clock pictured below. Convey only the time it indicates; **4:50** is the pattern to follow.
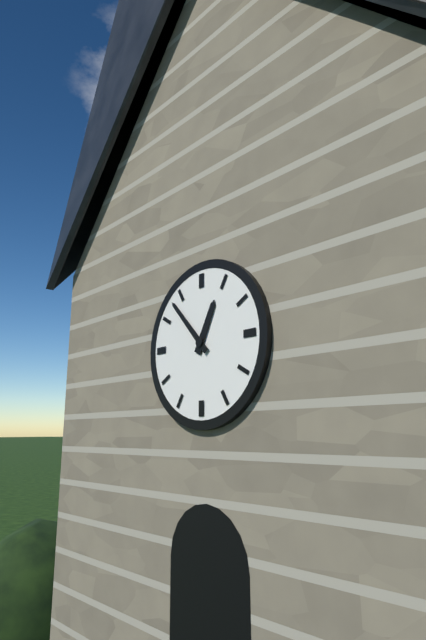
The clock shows **12:53**
